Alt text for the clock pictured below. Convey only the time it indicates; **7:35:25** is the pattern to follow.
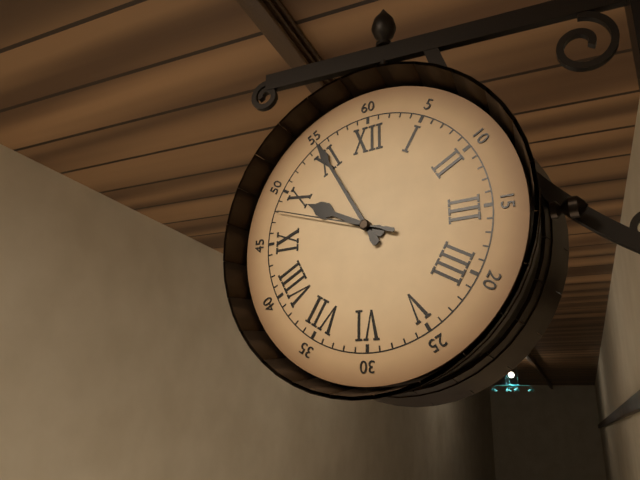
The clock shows **9:55:48**
